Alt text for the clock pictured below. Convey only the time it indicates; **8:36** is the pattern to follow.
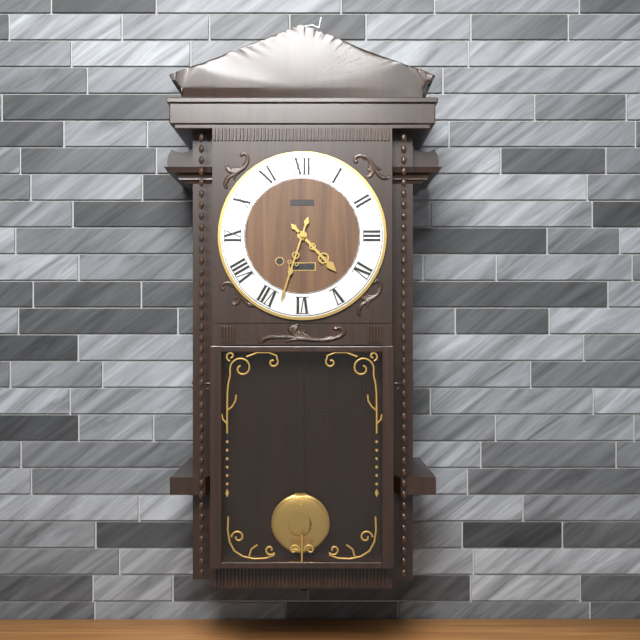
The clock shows **4:33**
